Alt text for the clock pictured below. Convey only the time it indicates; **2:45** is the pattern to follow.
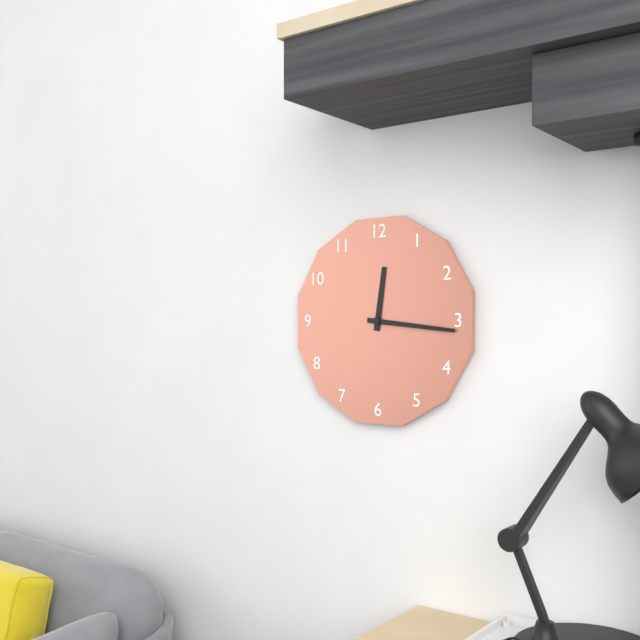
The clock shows **12:16**
